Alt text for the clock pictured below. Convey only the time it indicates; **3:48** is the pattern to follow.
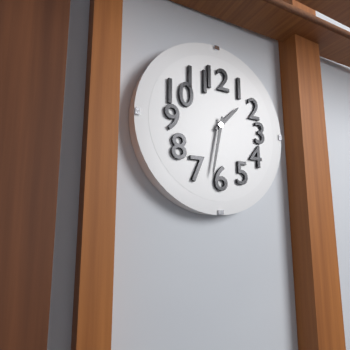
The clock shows **1:32**
